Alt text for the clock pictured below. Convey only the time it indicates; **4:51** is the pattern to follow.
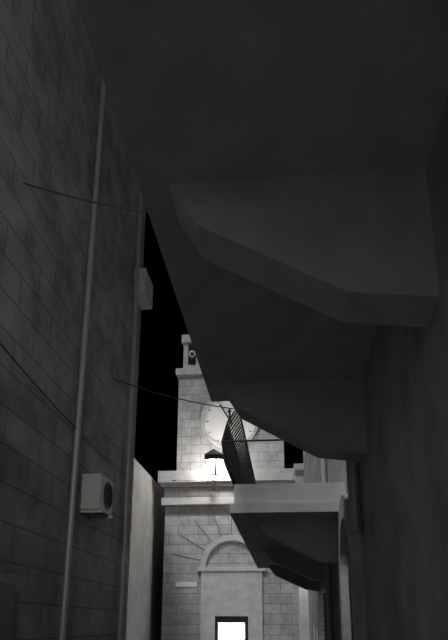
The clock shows **11:55**
